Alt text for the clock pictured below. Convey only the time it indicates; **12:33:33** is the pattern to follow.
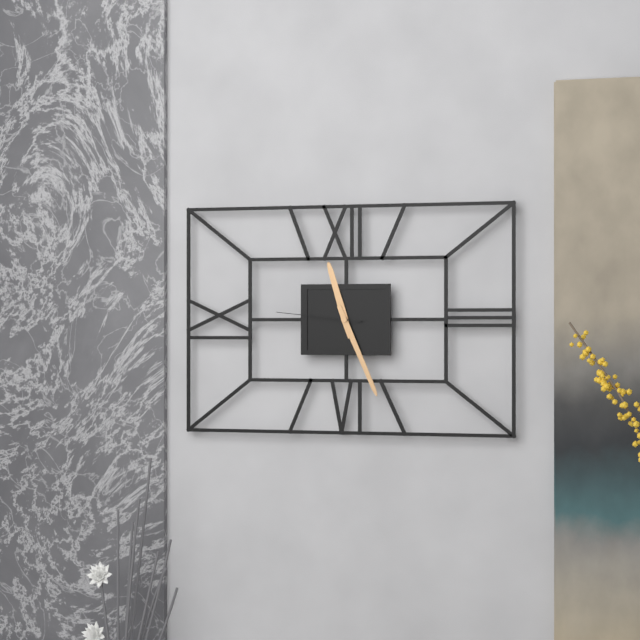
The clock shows **11:26:46**
